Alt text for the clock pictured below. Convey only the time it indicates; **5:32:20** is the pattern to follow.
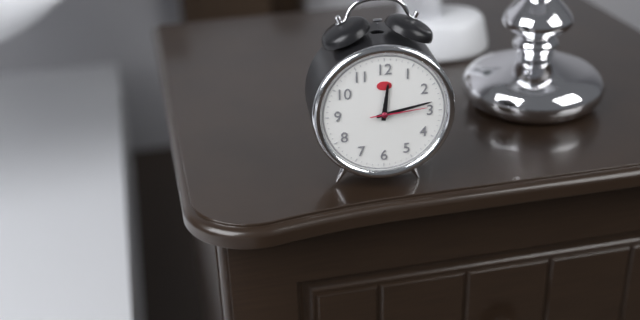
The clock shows **12:13:14**
